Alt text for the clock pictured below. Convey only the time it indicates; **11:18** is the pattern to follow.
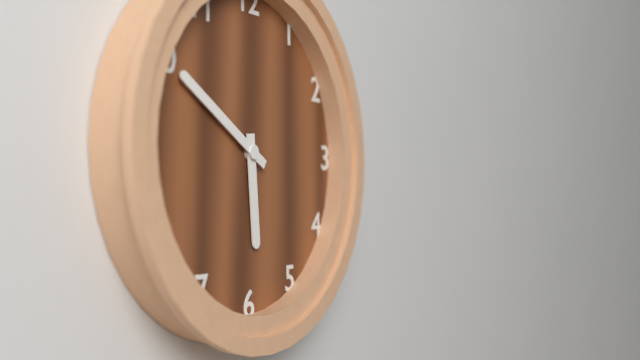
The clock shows **5:50**
